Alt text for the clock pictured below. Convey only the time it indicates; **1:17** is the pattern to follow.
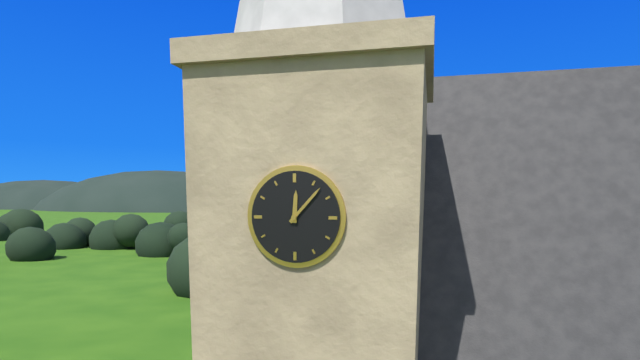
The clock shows **12:07**
